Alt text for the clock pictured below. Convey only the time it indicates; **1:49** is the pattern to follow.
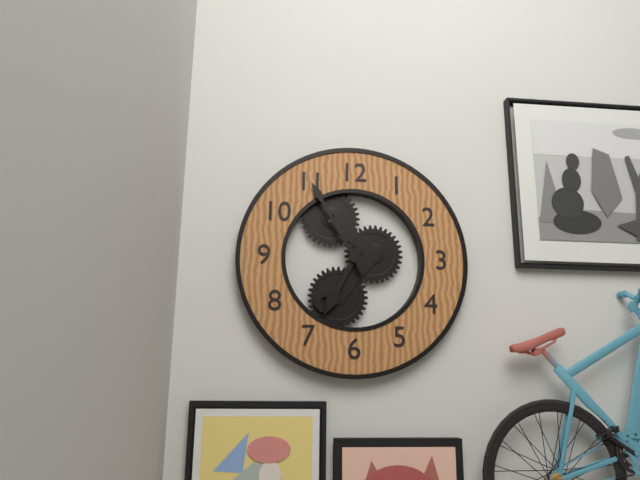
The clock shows **6:55**
